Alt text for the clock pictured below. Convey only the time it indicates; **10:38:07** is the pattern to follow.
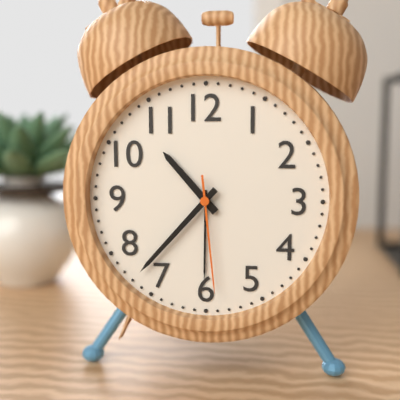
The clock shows **10:37:29**
